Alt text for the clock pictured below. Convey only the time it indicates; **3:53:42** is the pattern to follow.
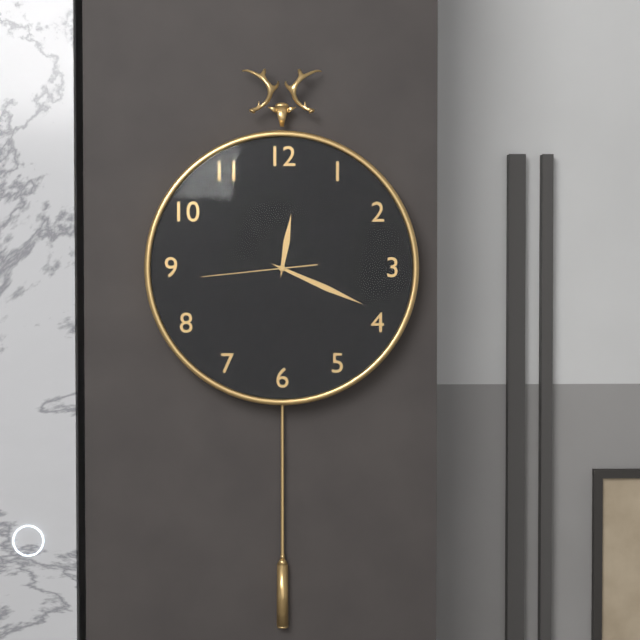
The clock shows **12:19:44**
